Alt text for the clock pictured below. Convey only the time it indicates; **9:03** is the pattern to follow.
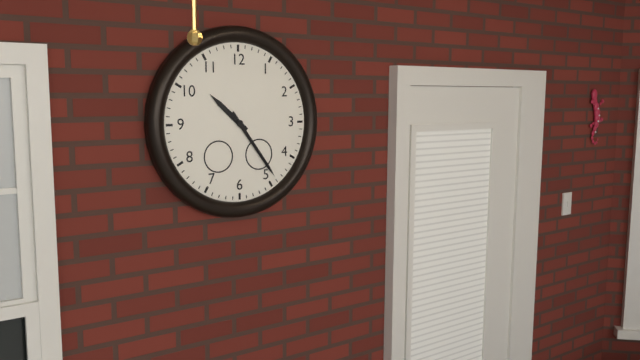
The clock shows **10:24**
